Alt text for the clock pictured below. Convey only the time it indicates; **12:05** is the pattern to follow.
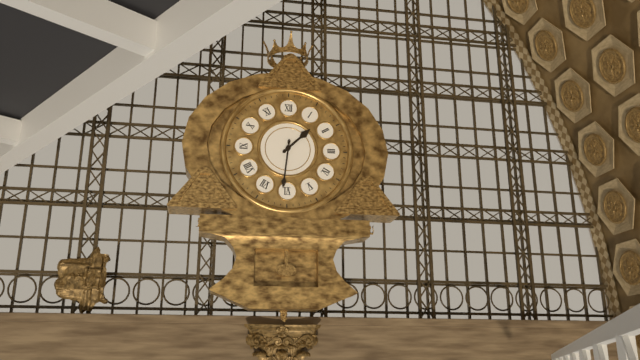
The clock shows **1:31**
